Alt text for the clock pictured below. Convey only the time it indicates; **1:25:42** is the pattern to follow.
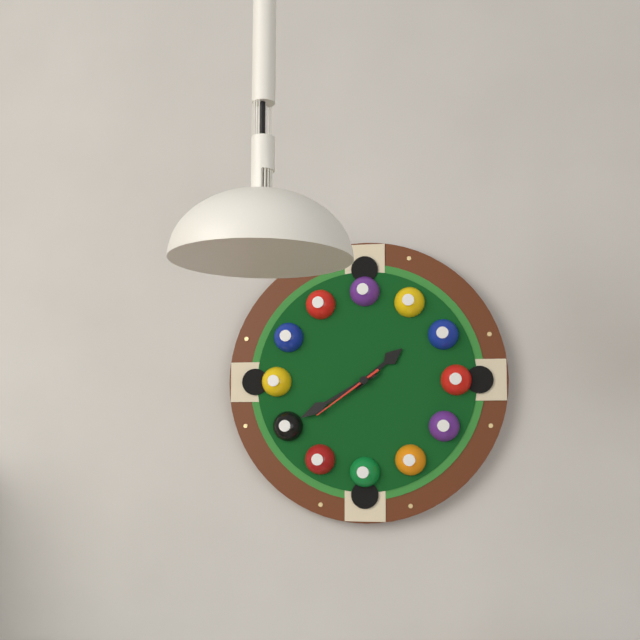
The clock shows **1:40:39**
